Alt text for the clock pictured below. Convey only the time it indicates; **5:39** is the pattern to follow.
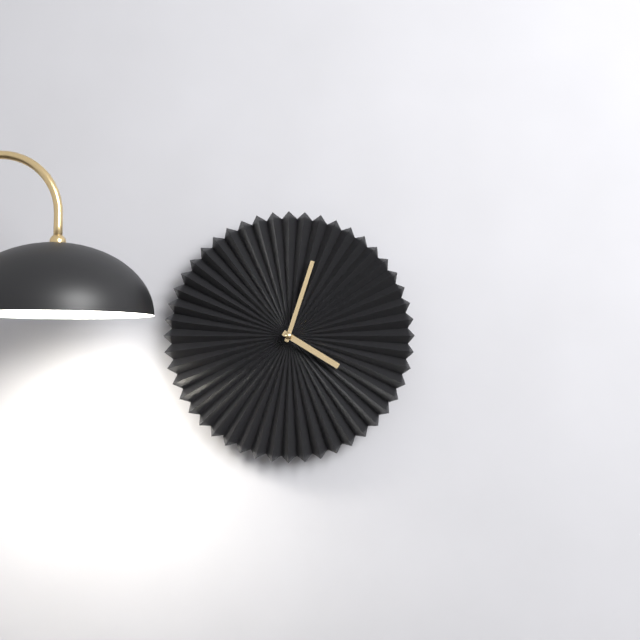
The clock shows **4:03**
